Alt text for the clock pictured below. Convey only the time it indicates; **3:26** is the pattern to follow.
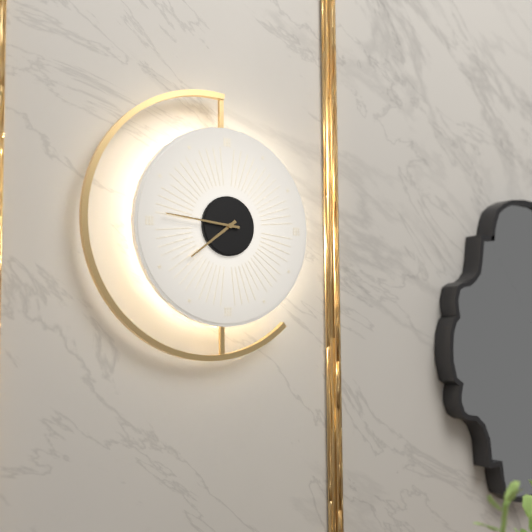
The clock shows **7:46**
